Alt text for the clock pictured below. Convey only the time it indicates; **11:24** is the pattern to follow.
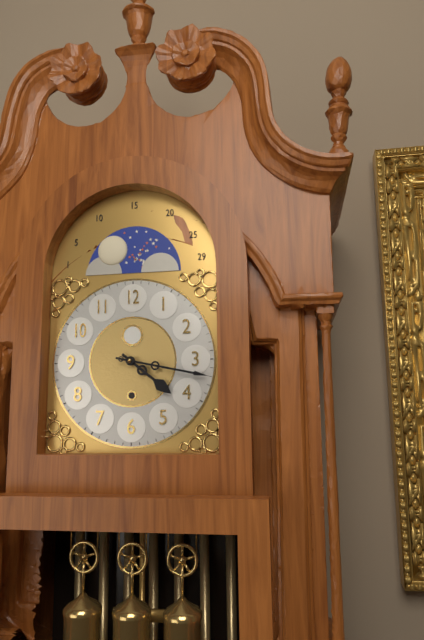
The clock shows **4:17**
